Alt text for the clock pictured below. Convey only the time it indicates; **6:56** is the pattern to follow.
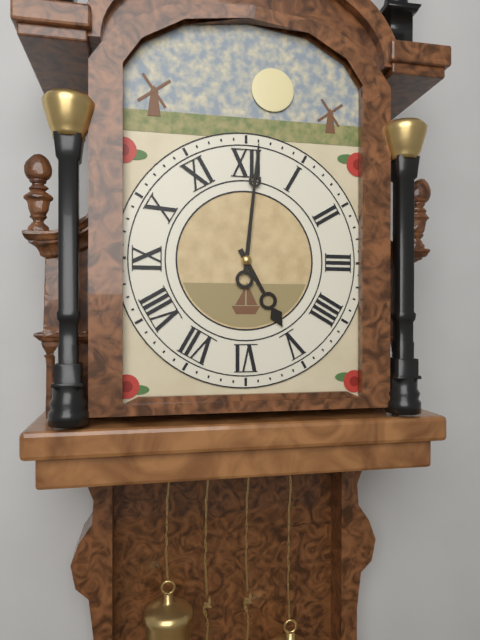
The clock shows **5:01**
